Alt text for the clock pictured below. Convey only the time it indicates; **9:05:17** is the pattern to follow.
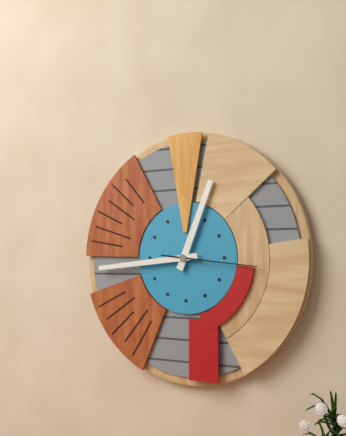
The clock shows **12:44:16**
